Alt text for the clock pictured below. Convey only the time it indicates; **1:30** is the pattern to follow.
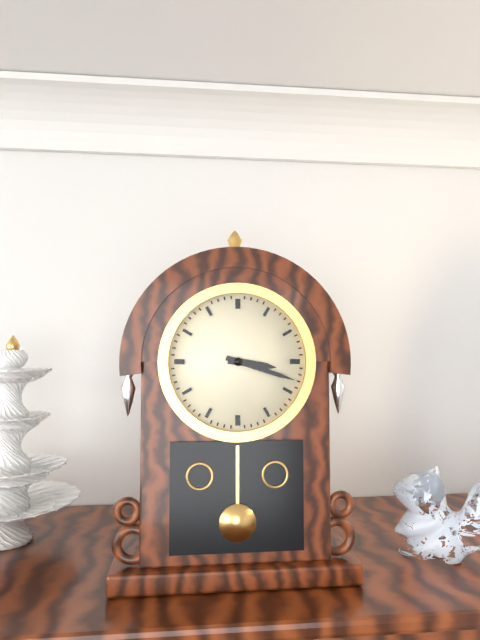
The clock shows **3:18**
